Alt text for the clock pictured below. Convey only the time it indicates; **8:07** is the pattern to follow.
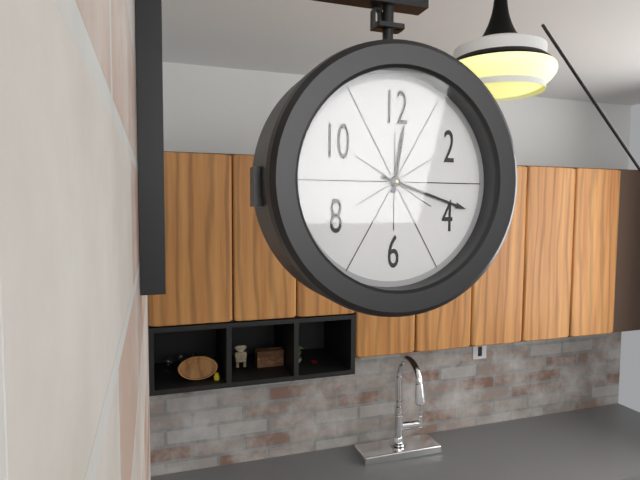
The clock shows **12:18**
